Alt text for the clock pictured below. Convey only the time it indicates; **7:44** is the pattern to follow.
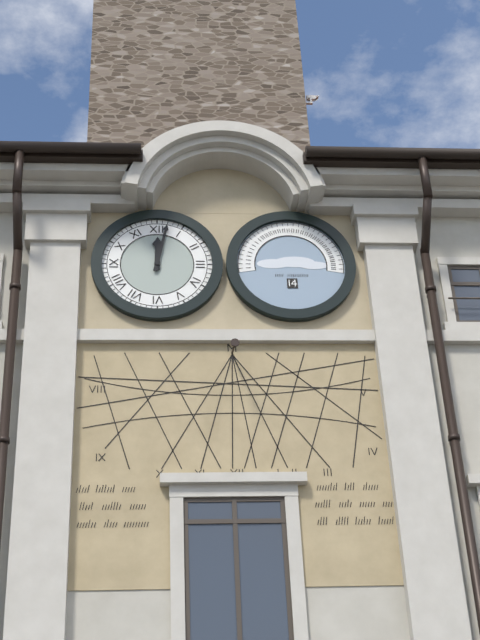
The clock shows **12:02**
